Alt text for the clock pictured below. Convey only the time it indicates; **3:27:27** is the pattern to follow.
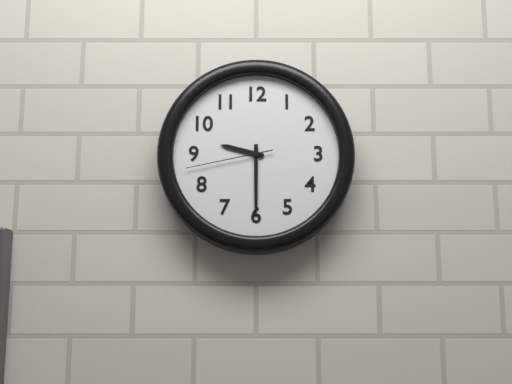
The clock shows **9:30:43**
